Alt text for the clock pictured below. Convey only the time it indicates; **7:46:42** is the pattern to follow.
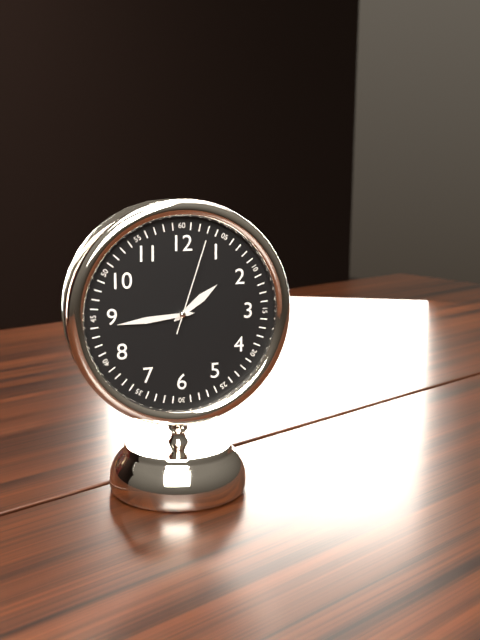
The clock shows **1:44:03**
